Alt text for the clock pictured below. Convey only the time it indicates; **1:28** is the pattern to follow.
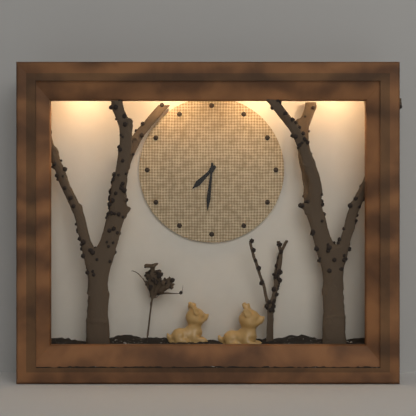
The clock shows **7:31**
